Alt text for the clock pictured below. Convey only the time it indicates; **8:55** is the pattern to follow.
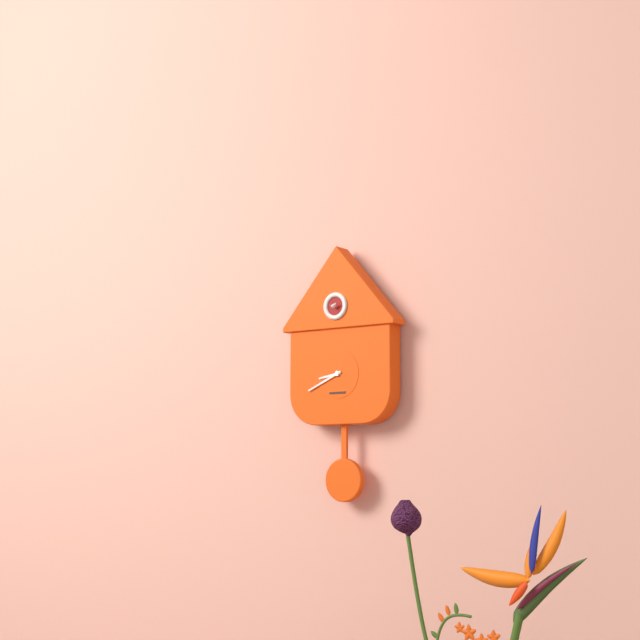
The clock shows **8:41**
